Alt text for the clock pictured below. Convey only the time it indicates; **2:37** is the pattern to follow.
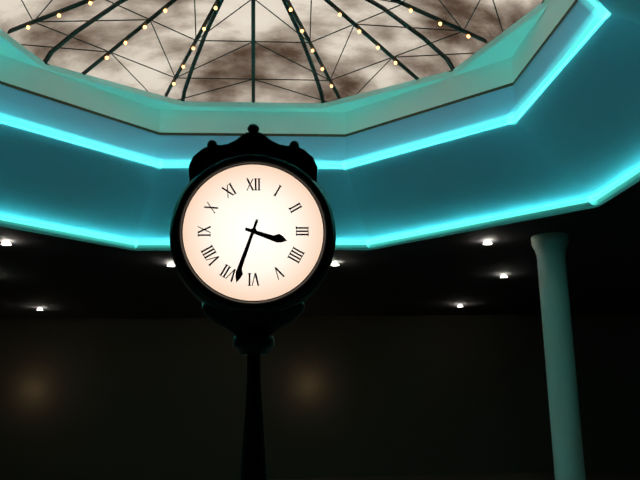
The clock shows **3:33**
